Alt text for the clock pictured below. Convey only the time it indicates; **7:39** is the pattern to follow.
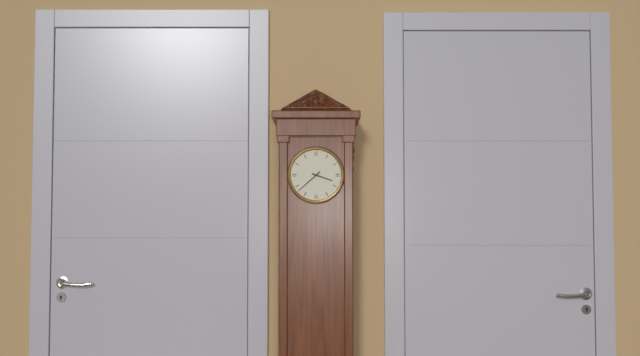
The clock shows **3:38**
